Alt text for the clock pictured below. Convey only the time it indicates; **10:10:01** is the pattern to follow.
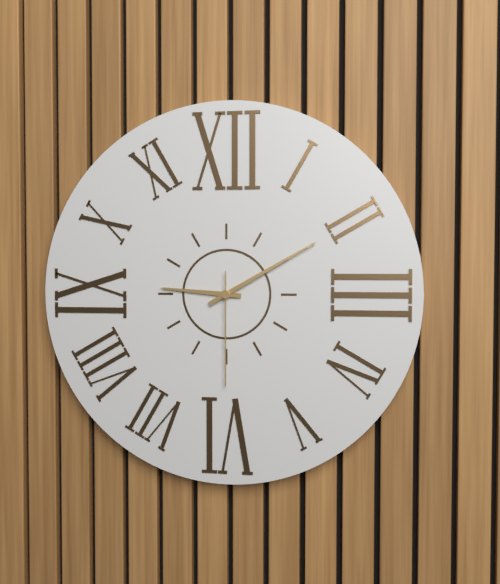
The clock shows **9:10:30**
